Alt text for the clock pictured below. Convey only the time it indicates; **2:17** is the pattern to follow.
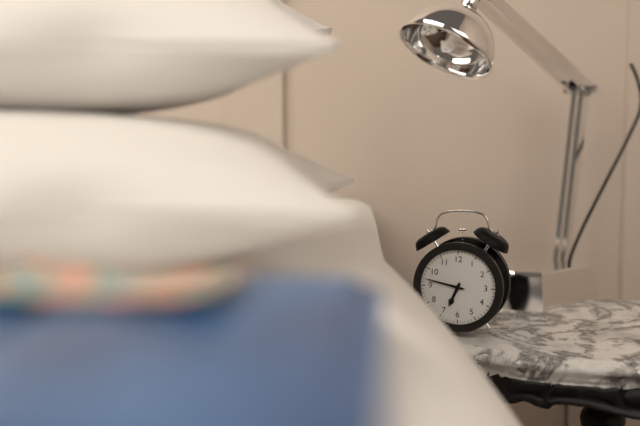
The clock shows **6:47**
